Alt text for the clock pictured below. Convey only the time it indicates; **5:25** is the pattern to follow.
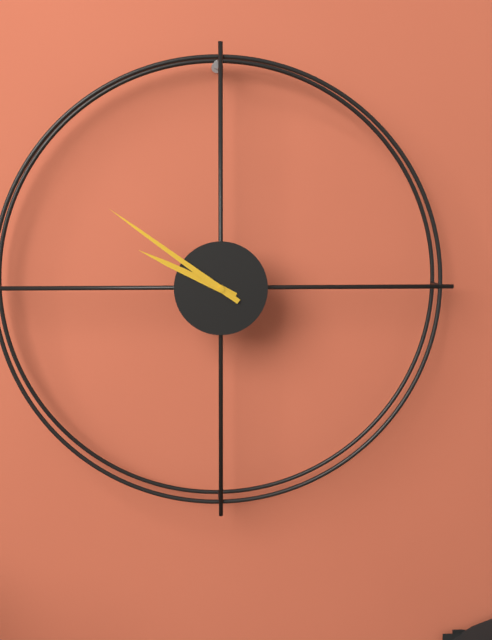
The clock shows **9:51**
